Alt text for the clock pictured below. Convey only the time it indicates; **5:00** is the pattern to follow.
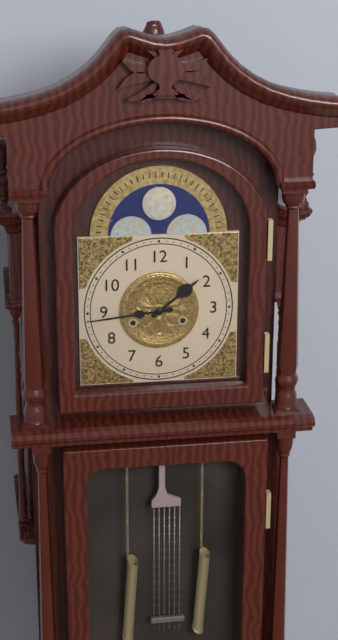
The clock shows **1:44**
